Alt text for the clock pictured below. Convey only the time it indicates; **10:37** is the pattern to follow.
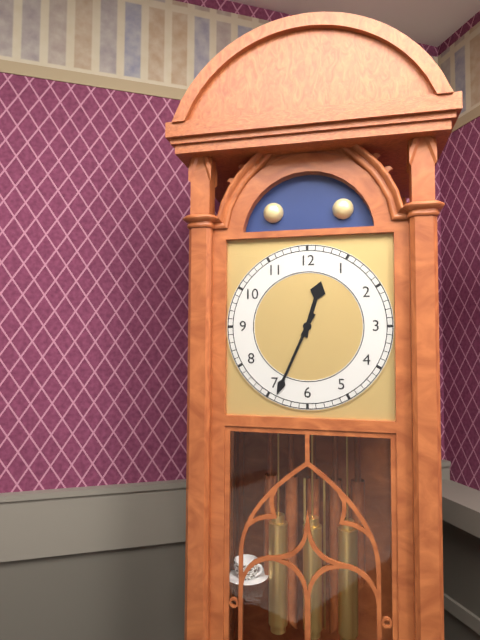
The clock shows **12:34**
